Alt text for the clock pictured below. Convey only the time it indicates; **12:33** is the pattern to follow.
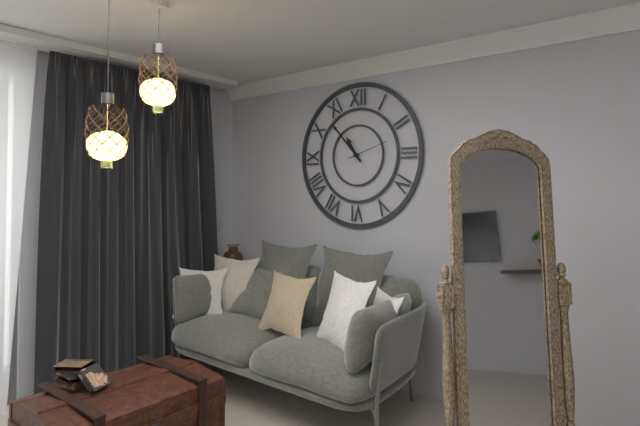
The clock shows **10:53**
